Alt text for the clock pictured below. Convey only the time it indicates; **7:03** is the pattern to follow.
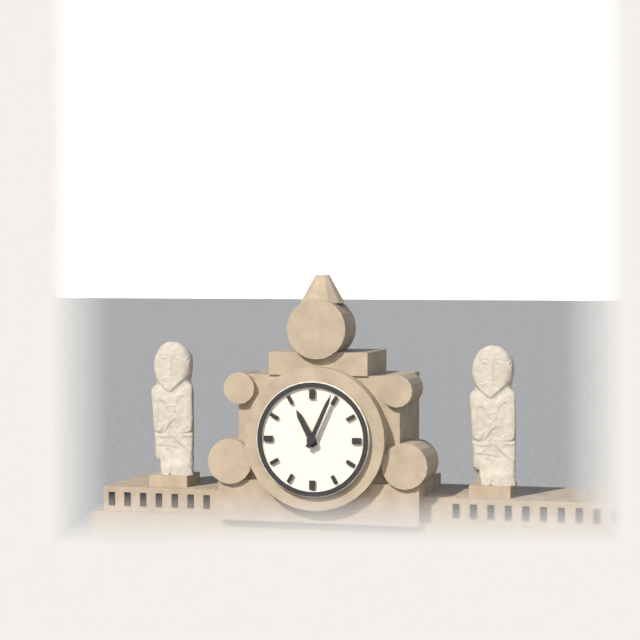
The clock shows **11:04**
